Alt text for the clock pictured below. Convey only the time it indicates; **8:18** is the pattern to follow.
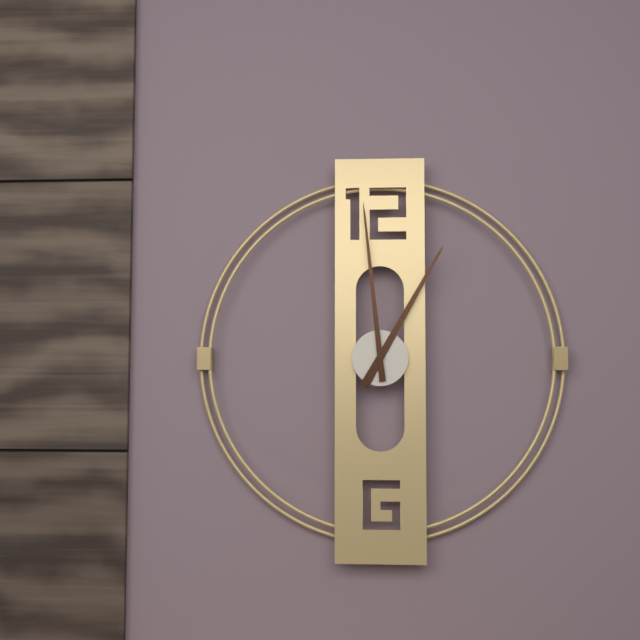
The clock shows **12:59**
